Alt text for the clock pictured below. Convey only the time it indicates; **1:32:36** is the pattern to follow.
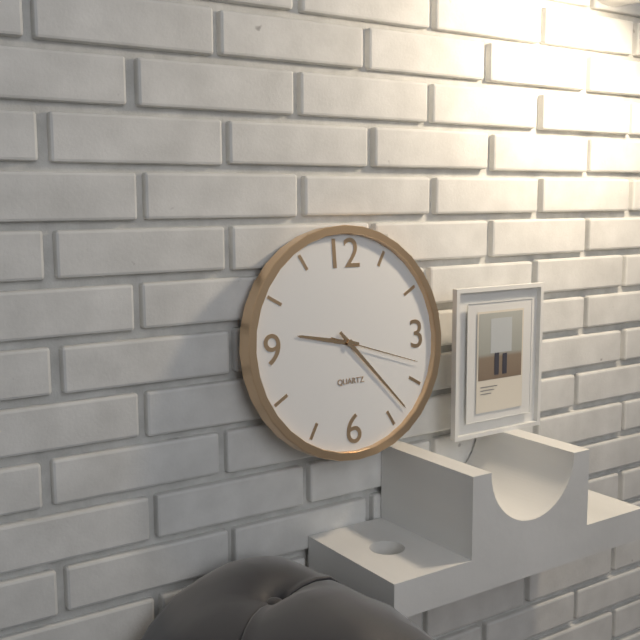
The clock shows **9:23:18**
